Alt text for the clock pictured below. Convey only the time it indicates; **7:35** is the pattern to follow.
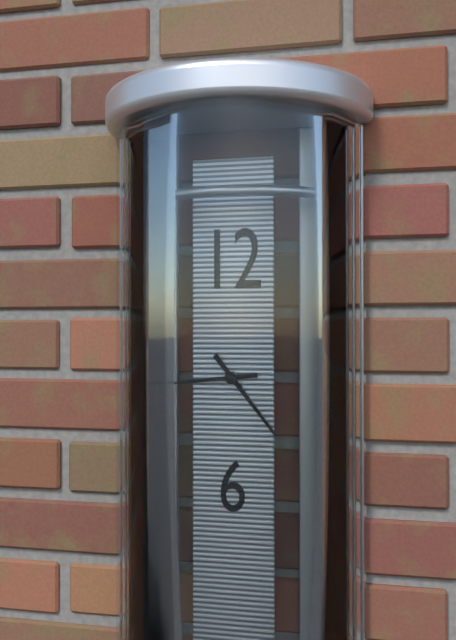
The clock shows **4:44**
